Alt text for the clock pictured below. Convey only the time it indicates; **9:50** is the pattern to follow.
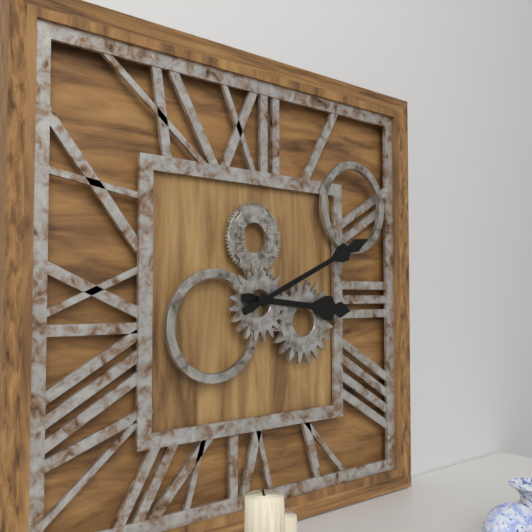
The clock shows **3:11**
